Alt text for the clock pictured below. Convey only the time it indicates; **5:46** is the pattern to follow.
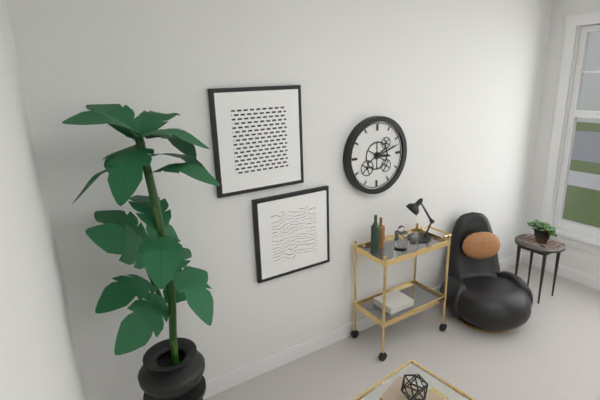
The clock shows **3:12**
